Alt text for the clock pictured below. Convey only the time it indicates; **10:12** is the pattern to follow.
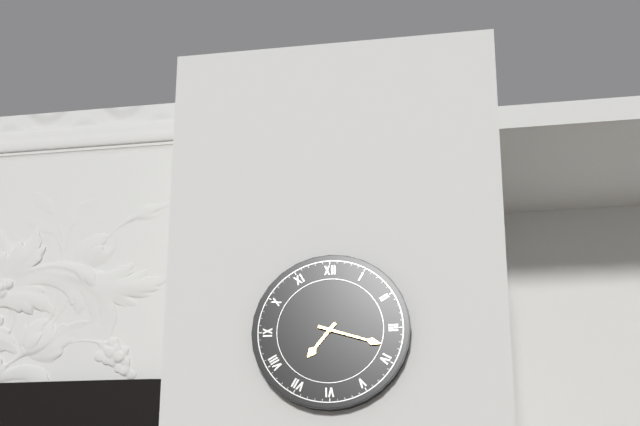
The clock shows **7:18**
